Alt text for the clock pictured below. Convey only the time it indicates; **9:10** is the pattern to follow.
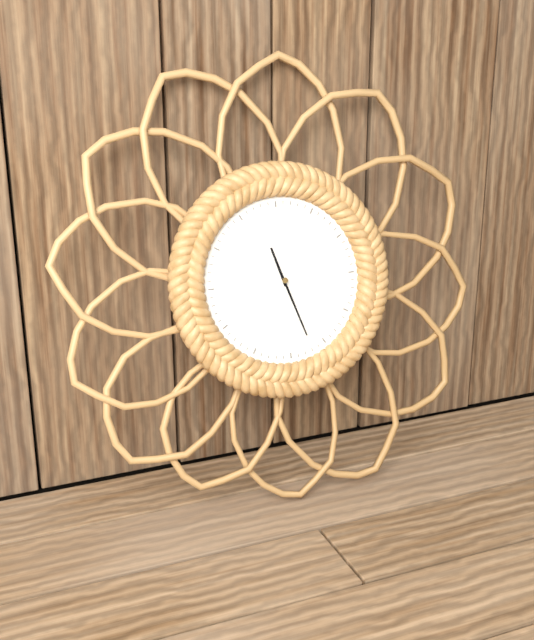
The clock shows **11:27**
